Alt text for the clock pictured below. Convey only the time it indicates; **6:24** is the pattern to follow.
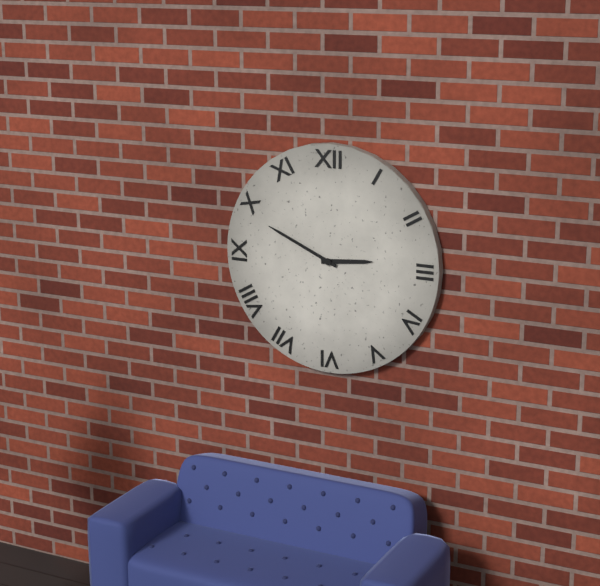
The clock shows **2:49**
